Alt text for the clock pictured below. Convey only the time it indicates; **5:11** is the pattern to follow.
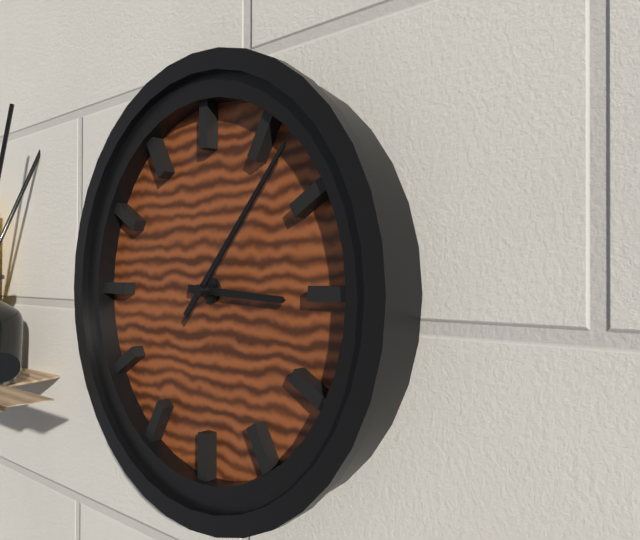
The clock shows **3:07**
